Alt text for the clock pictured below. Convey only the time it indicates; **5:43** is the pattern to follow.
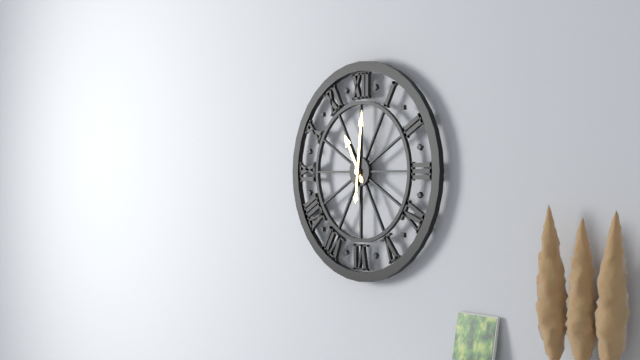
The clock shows **11:01**
